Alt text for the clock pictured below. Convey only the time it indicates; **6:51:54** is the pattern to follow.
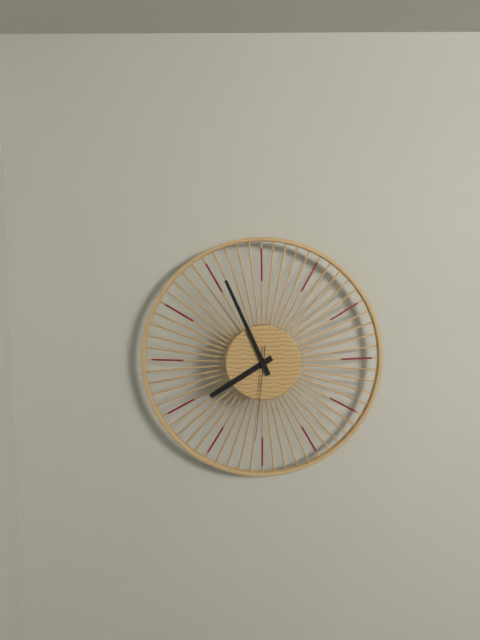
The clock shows **7:56:31**
